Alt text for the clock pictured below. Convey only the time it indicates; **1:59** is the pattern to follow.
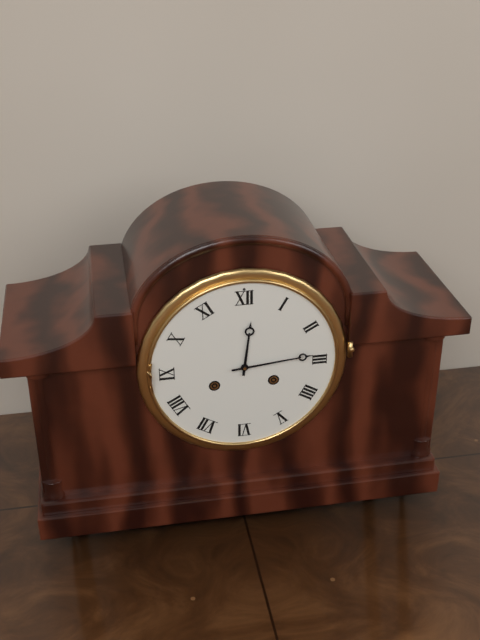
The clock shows **12:14**
